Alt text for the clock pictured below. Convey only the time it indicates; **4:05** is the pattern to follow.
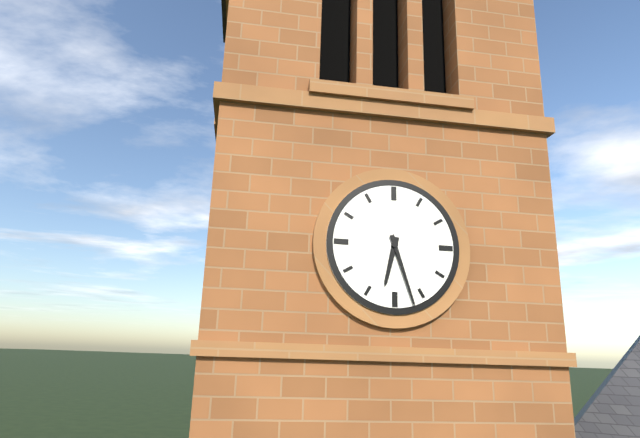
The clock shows **6:27**
